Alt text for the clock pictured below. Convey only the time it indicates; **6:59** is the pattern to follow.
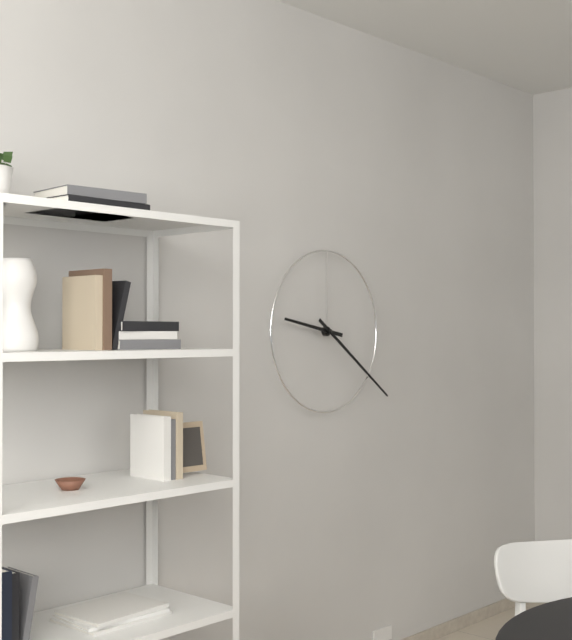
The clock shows **9:21**
